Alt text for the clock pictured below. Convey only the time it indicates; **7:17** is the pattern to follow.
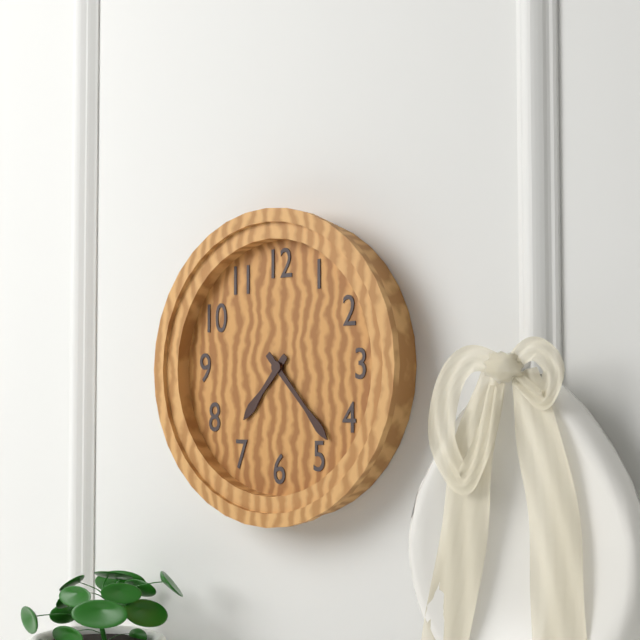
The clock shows **7:23**
